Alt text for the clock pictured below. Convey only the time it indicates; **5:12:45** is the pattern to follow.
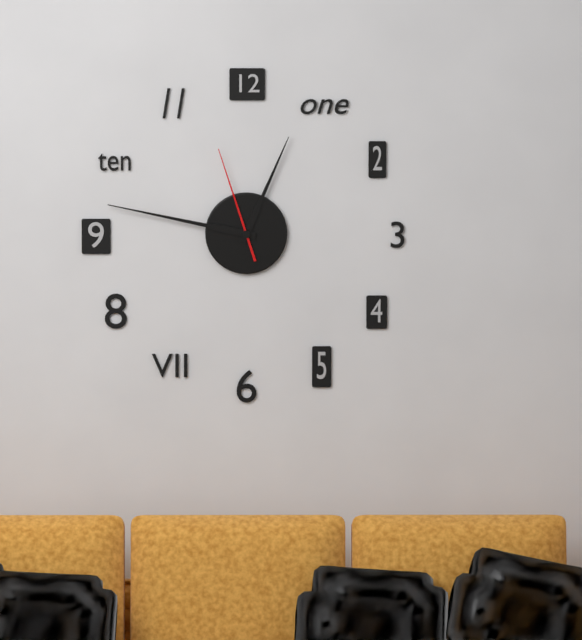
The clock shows **12:47:57**
